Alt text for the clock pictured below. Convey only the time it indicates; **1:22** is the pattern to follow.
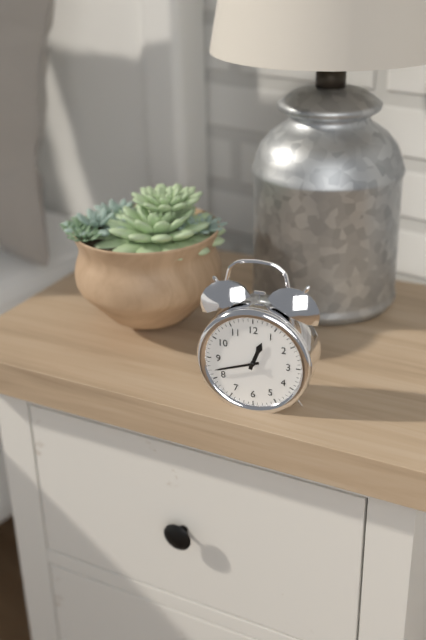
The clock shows **12:42**
